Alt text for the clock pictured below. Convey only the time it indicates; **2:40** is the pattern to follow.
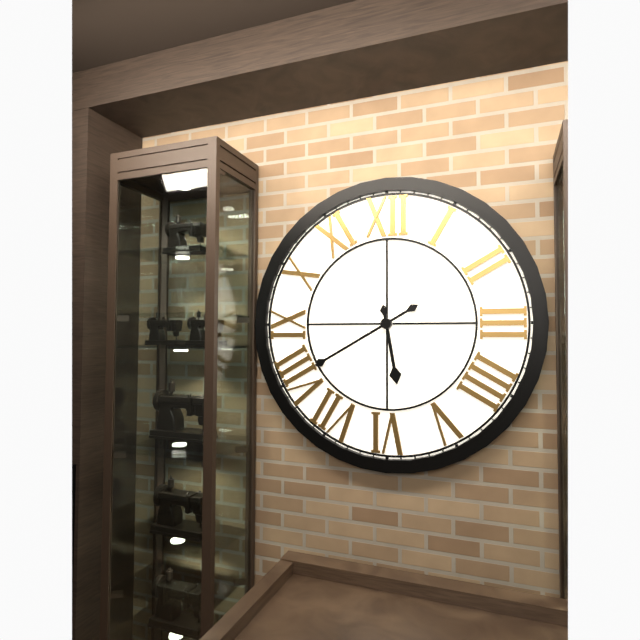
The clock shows **5:40**
